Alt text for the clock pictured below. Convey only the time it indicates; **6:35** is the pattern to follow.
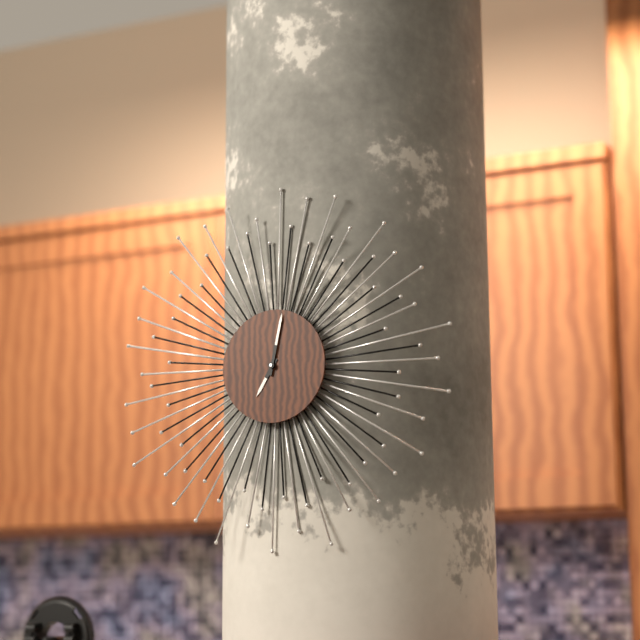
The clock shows **7:02**
